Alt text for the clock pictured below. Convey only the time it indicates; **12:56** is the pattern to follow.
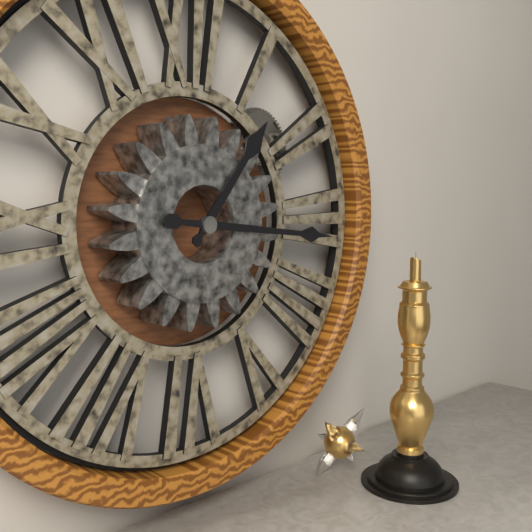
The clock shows **1:16**
